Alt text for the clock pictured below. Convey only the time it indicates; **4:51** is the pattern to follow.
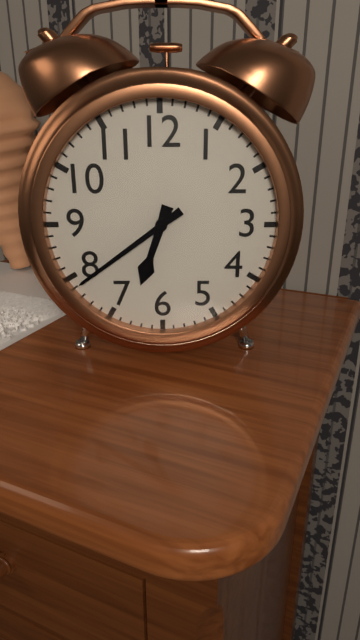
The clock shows **6:39**
